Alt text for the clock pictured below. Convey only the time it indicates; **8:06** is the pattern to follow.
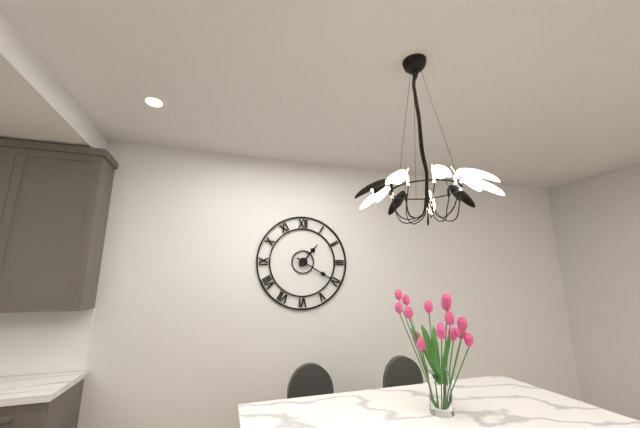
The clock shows **1:20**
